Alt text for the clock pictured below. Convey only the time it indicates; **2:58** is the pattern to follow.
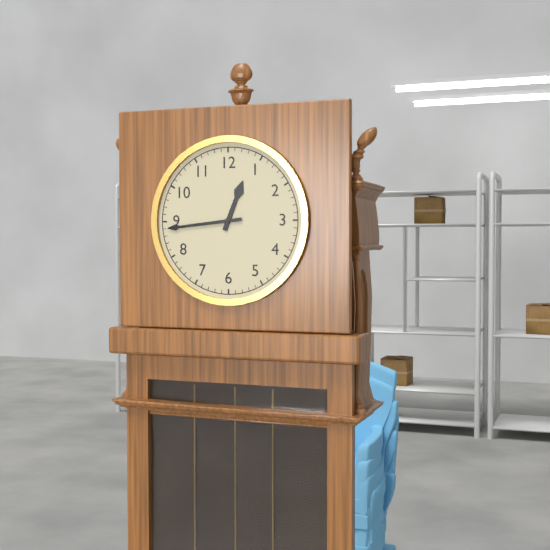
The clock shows **12:44**
